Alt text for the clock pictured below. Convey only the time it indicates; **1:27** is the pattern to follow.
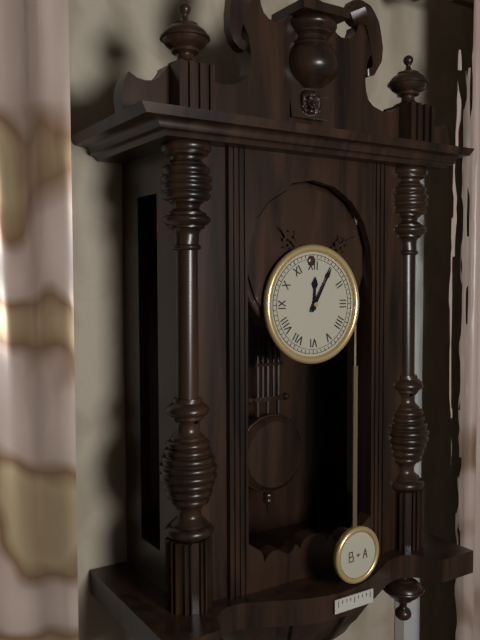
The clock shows **12:05**
